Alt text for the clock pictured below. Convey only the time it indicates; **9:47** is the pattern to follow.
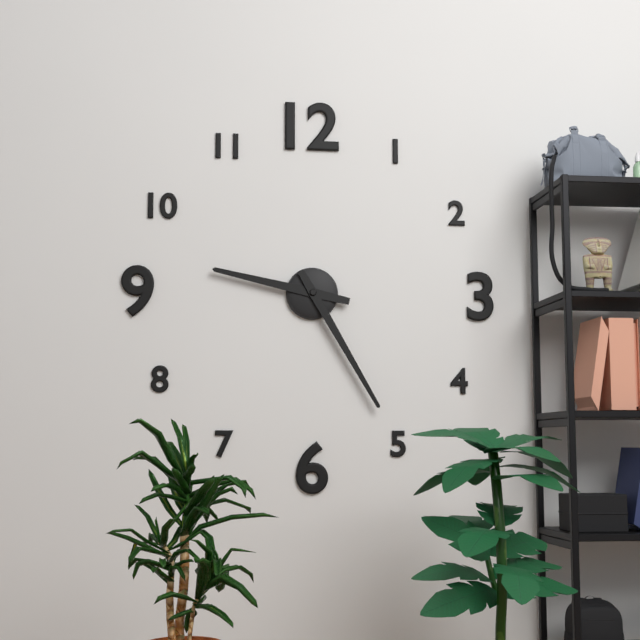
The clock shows **9:25**
